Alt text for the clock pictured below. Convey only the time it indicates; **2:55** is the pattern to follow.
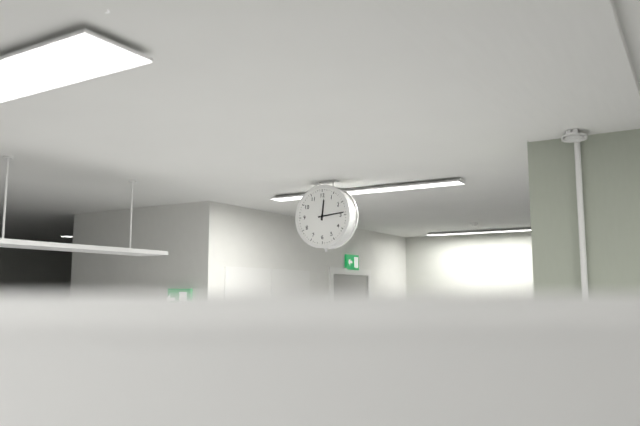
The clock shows **12:14**
